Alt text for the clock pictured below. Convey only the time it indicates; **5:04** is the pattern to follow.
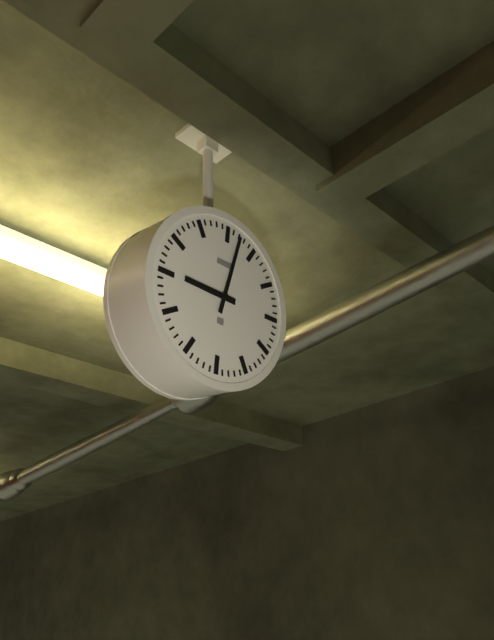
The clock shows **9:02**
